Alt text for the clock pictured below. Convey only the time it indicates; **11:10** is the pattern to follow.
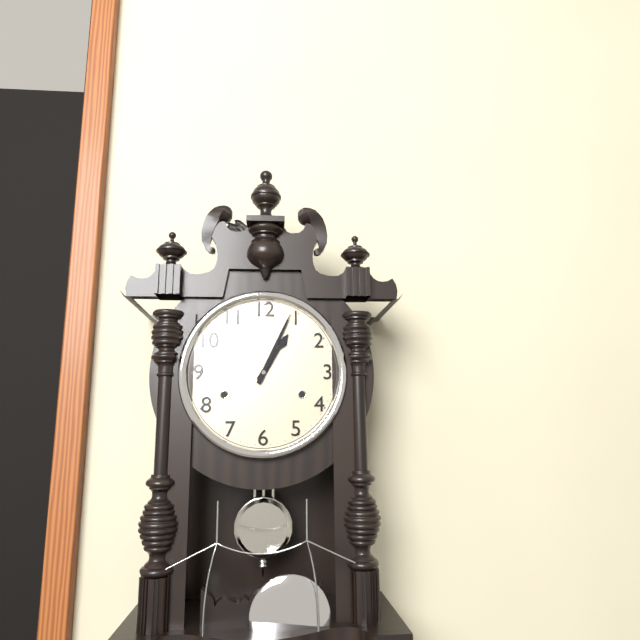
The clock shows **1:04**
